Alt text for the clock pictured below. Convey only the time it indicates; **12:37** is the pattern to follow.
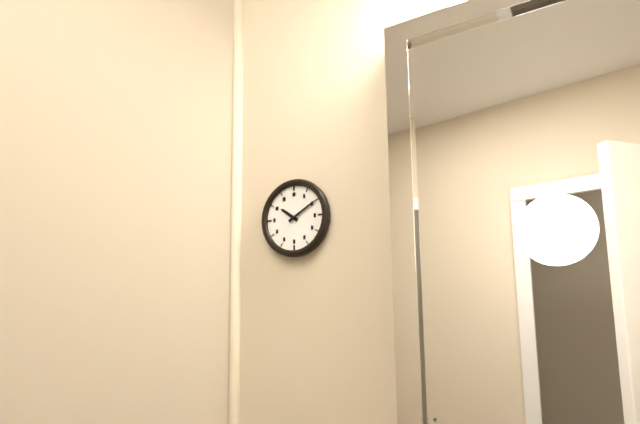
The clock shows **10:10**
